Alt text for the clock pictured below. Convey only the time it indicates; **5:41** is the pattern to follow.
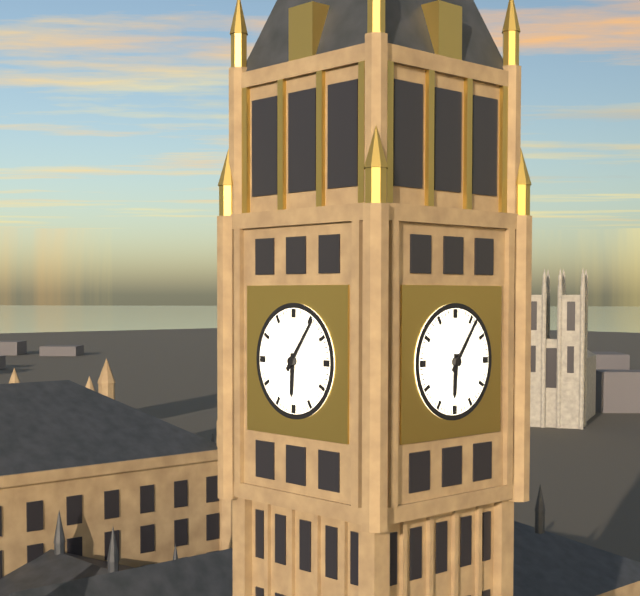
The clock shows **6:06**
